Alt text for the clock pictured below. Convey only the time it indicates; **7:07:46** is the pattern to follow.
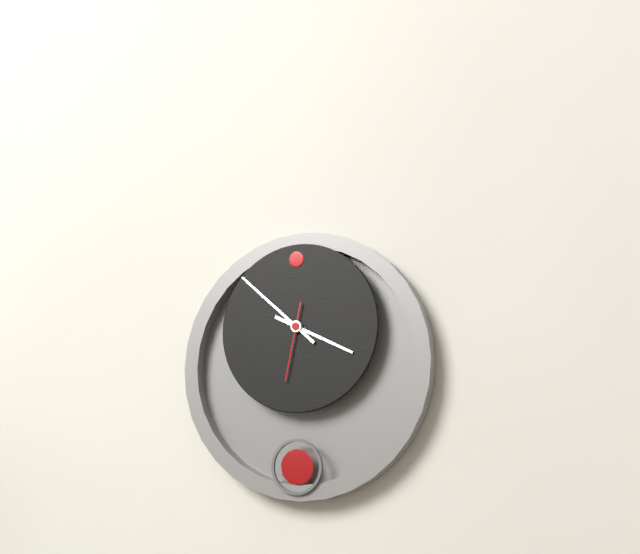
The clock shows **3:52:32**
